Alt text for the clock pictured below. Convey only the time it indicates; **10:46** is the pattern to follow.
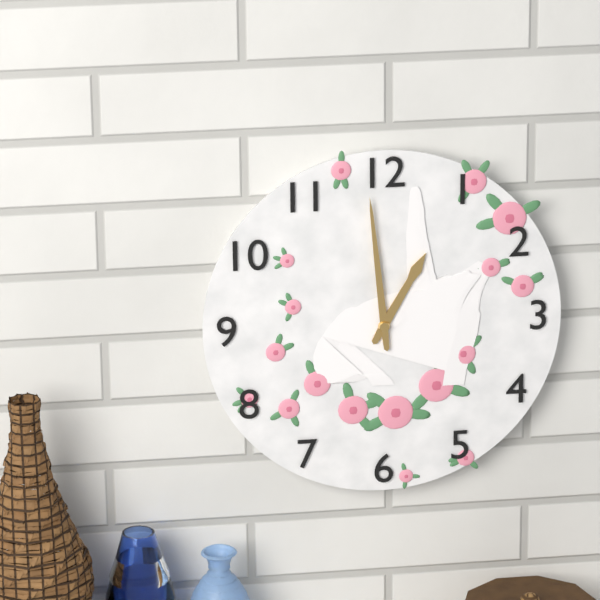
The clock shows **12:59**
